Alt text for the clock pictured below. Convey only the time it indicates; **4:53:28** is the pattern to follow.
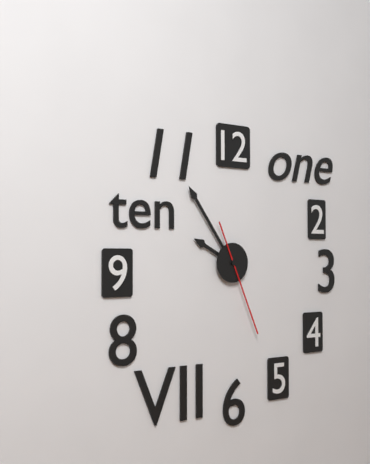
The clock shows **9:54:26**
